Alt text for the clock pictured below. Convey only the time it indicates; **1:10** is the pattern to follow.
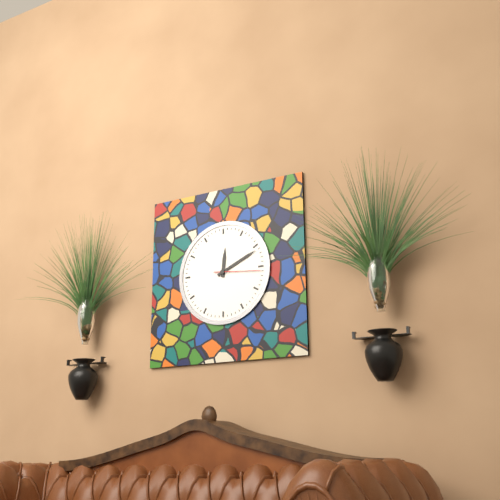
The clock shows **12:11**
